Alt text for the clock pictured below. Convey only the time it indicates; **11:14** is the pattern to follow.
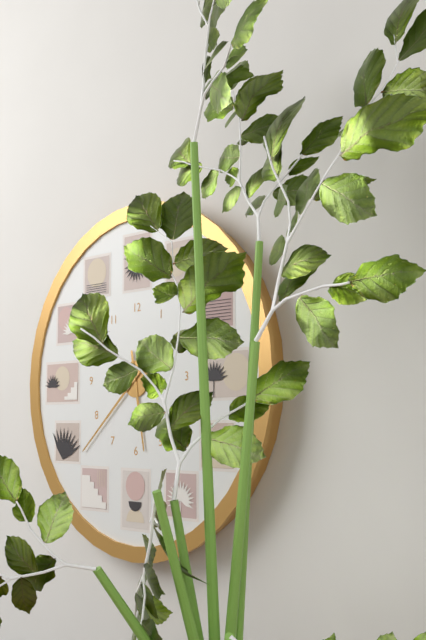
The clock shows **5:38**
